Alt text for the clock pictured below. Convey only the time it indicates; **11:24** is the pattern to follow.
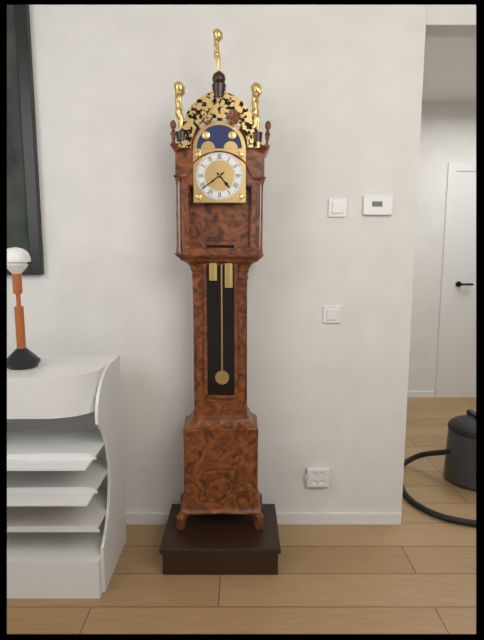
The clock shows **4:39**
